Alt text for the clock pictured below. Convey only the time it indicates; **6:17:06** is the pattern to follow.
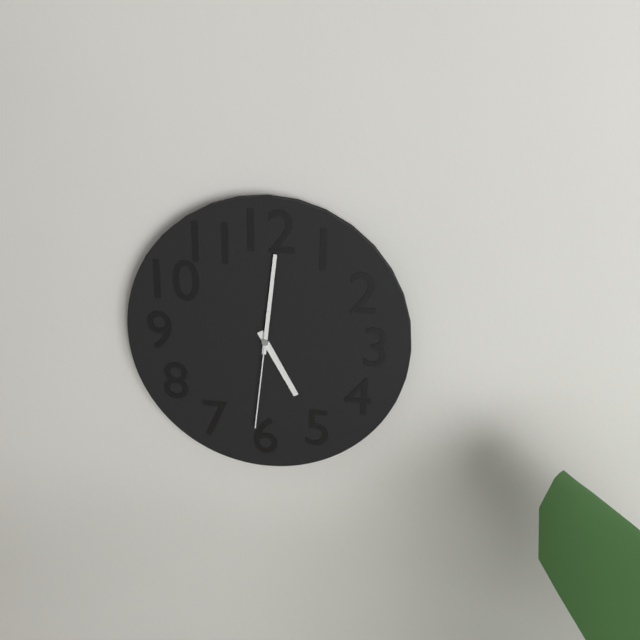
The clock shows **5:01:31**
